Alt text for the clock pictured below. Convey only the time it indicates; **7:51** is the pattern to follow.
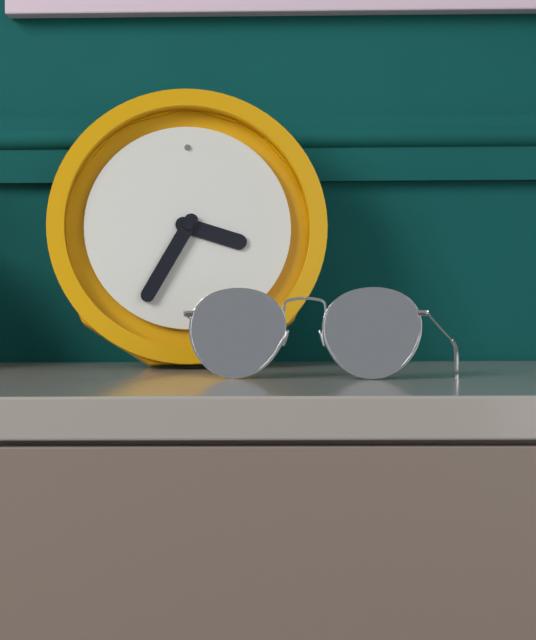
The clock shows **3:35**
